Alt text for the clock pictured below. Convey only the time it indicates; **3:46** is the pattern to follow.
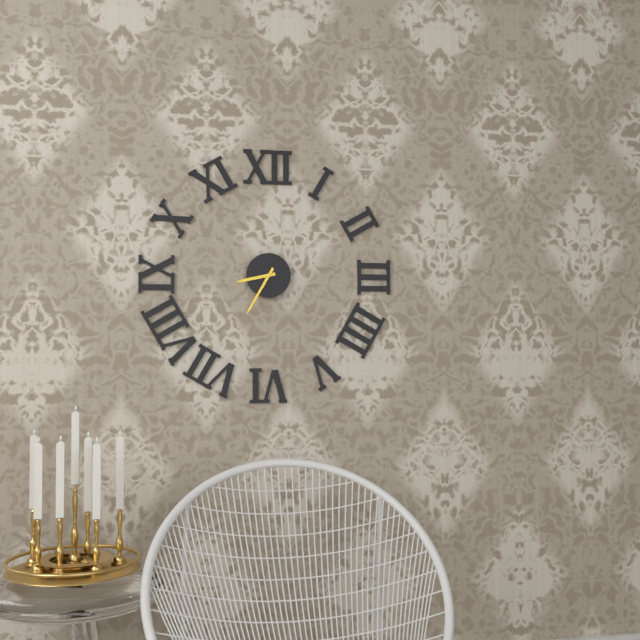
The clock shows **8:35**
